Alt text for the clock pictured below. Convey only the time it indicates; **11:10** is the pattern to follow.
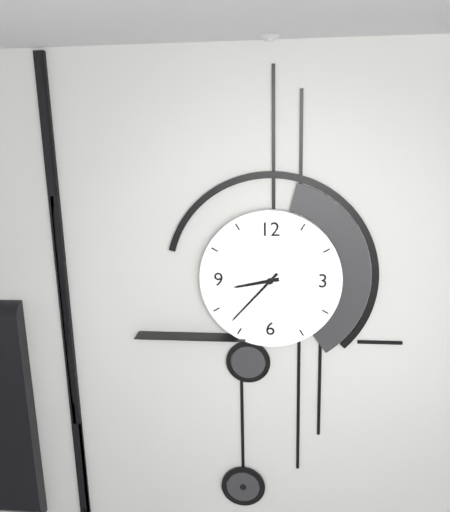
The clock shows **8:37**
